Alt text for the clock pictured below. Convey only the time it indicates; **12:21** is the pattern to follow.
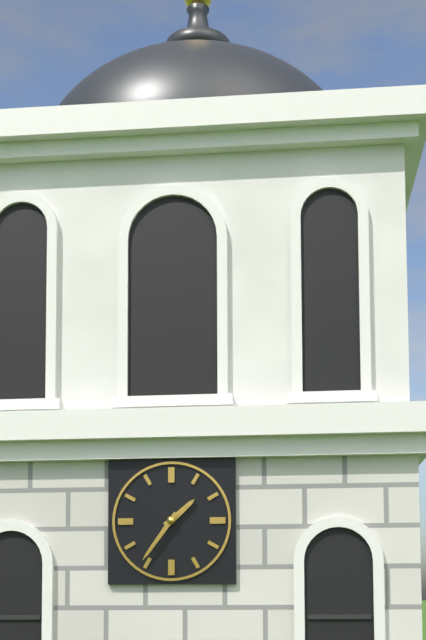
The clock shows **1:36**
